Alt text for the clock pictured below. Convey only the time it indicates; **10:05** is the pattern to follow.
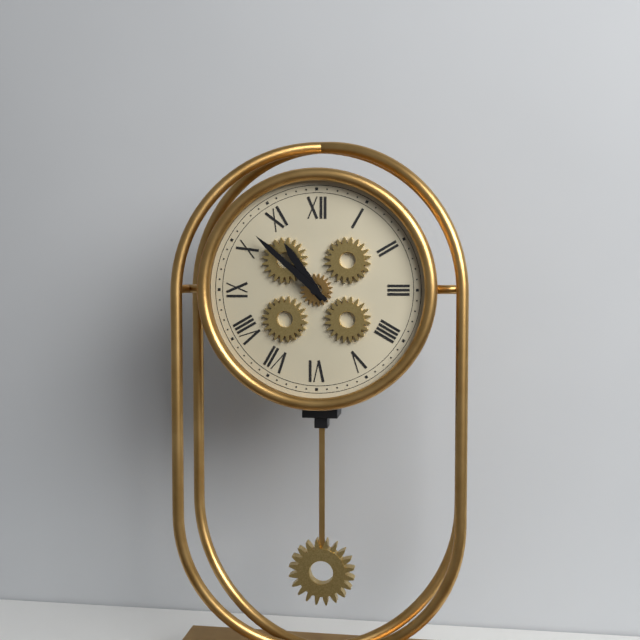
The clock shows **10:52**
